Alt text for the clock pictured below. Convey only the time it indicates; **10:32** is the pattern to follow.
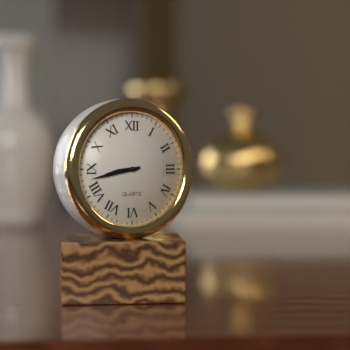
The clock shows **8:43**
